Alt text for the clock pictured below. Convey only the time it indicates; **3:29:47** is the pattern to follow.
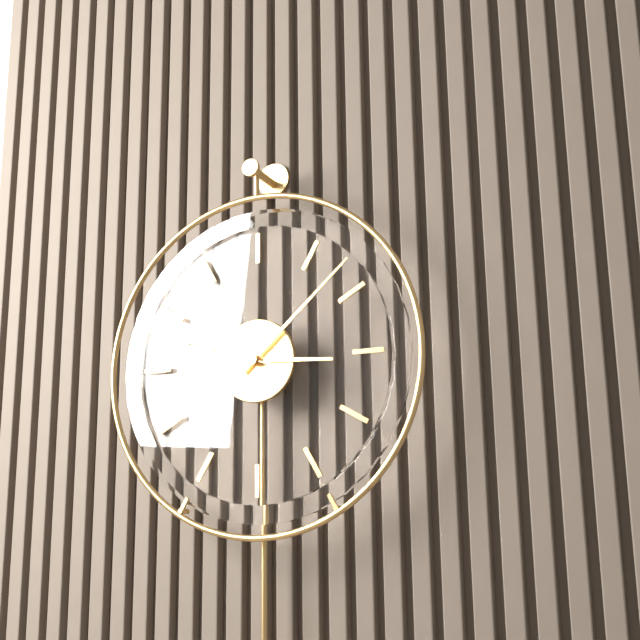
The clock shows **3:08:48**
